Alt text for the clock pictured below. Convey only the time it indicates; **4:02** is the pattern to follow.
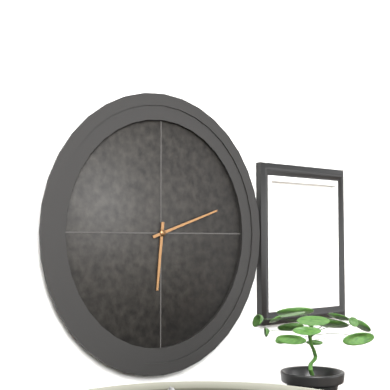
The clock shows **6:12**
